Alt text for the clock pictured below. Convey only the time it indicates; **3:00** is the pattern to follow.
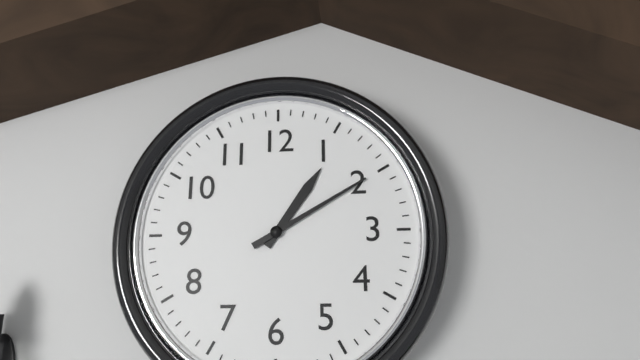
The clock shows **1:10**
